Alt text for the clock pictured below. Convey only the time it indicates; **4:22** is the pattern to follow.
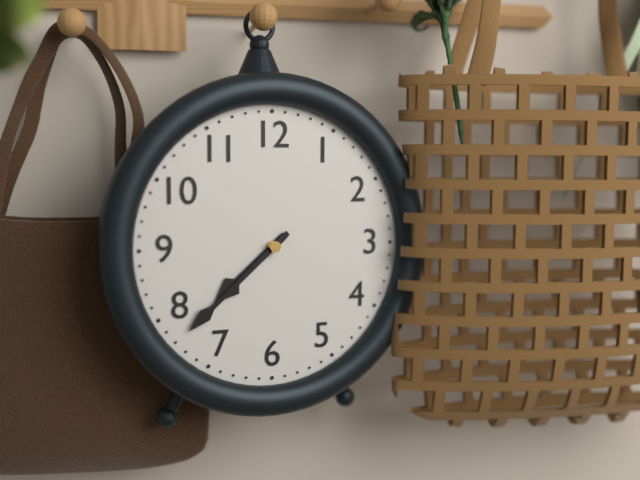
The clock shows **7:38**
